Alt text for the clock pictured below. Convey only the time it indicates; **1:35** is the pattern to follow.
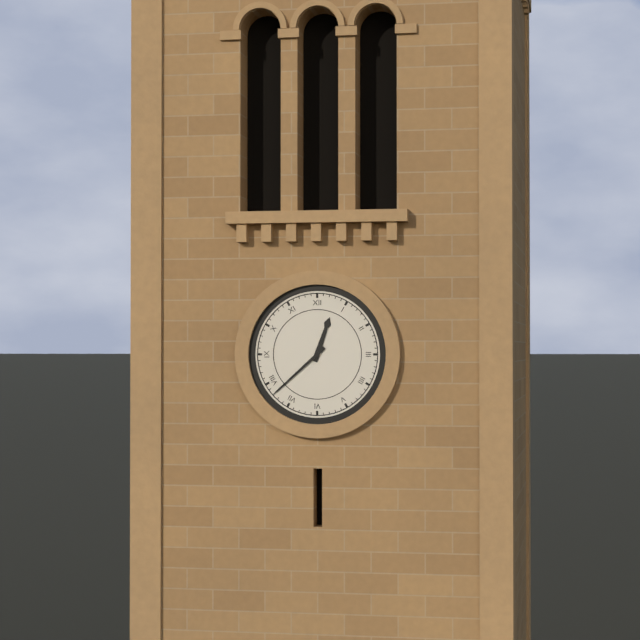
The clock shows **12:38**
